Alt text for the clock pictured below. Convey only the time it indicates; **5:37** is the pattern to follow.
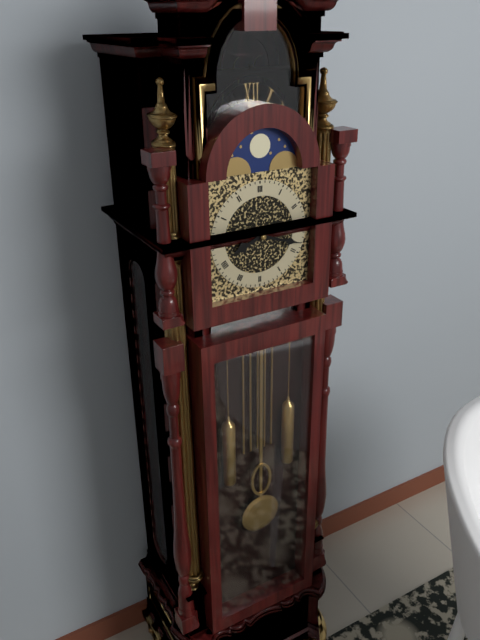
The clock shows **8:18**
